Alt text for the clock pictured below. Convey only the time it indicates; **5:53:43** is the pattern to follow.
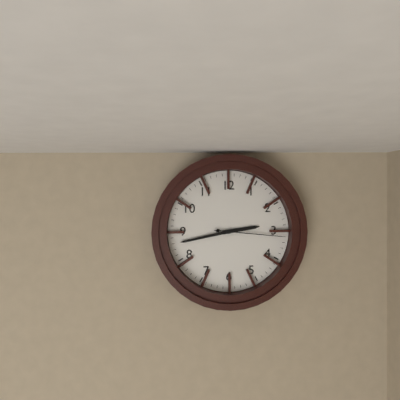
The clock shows **2:43:16**
